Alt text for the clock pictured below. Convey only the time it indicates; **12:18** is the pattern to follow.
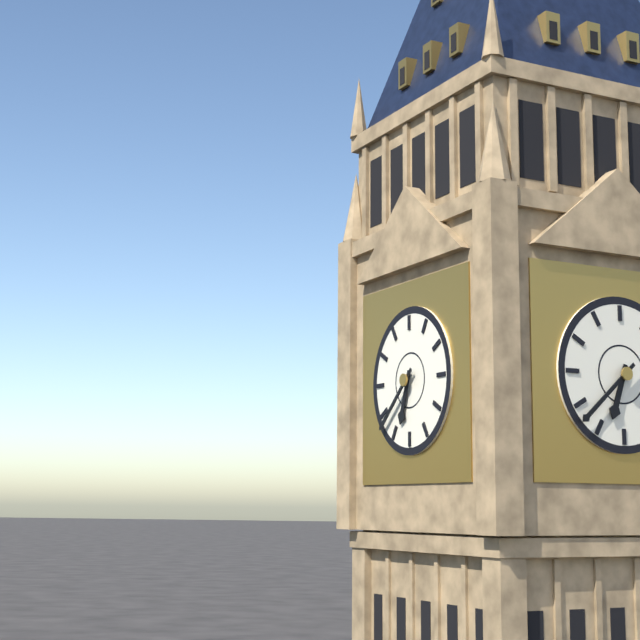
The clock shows **6:38**
